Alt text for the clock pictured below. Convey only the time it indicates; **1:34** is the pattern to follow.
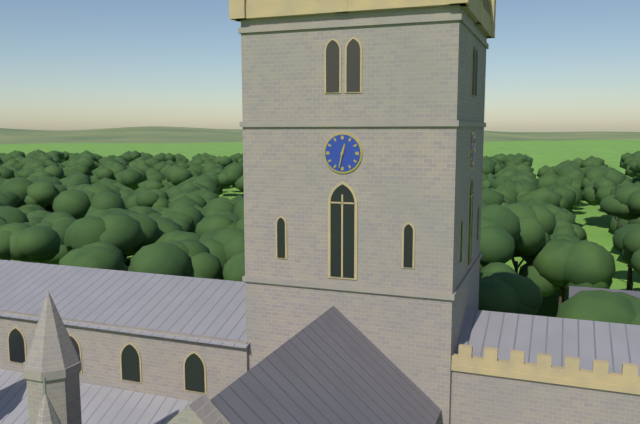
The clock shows **12:32**
